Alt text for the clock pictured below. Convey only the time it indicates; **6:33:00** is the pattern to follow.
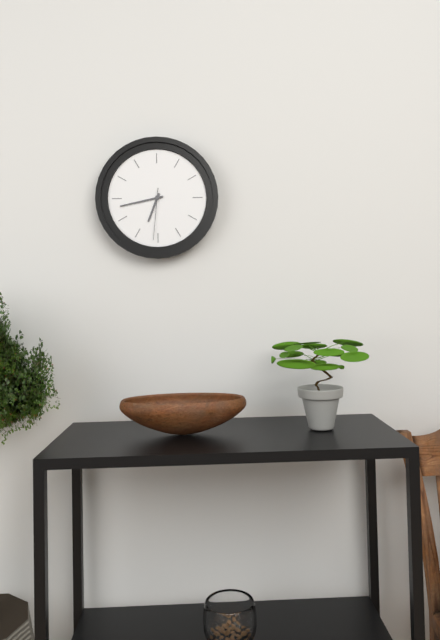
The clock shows **6:43:31**
